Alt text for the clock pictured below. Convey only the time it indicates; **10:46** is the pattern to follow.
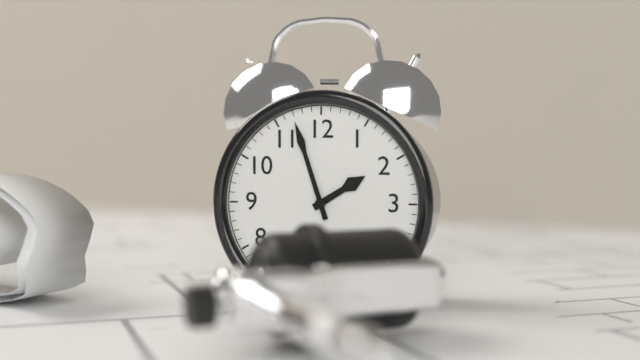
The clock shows **1:57**
